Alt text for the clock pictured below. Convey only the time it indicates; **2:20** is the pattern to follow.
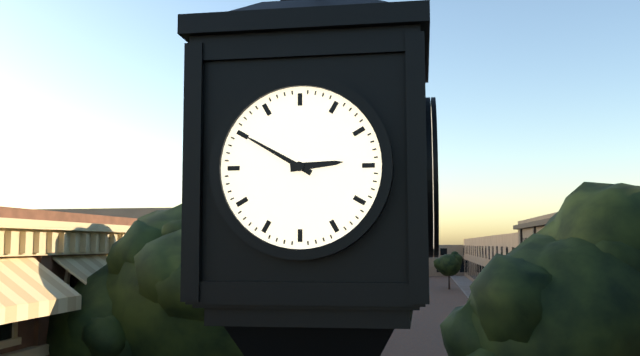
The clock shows **2:50**
